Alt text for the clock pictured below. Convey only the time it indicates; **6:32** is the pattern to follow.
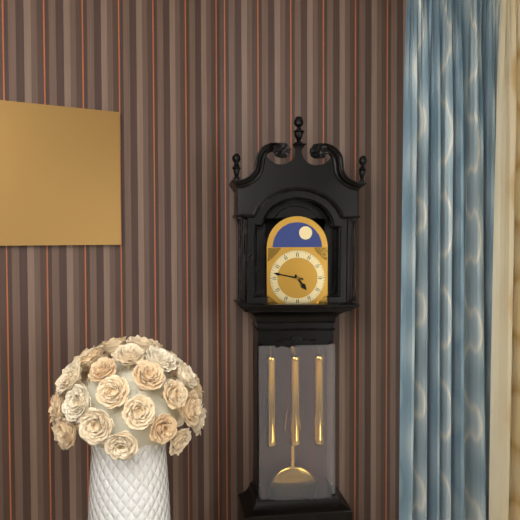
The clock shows **4:47**
